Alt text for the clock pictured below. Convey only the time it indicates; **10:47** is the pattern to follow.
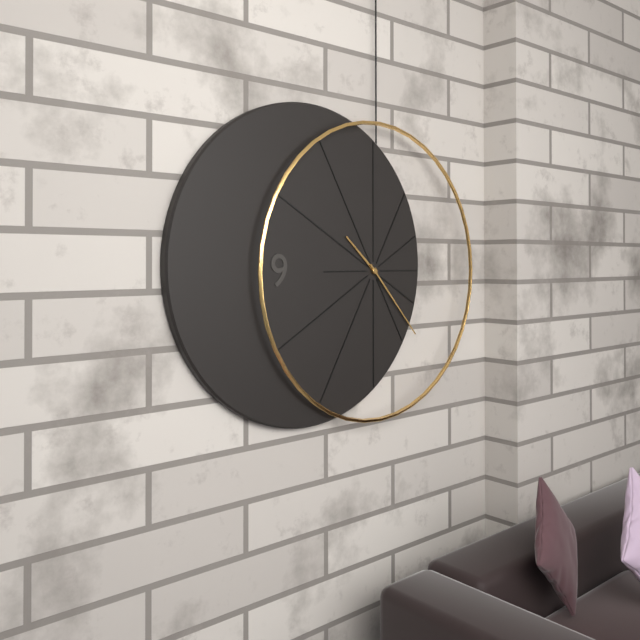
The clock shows **10:23**
